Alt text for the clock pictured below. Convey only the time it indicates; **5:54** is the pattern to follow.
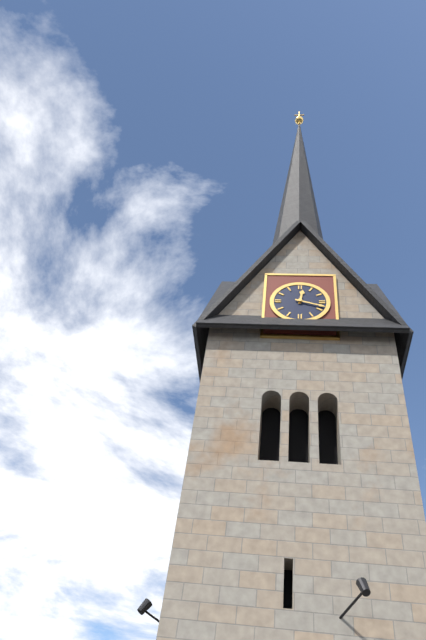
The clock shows **12:18**
